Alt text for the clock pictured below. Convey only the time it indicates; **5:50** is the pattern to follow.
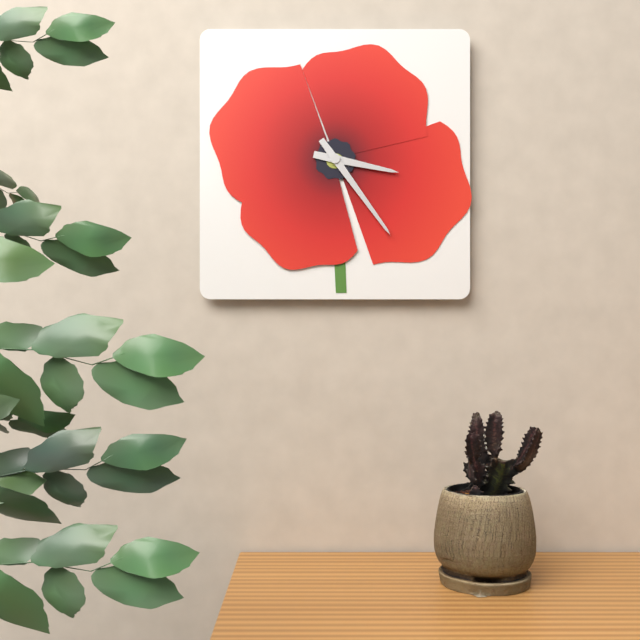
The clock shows **3:24**
